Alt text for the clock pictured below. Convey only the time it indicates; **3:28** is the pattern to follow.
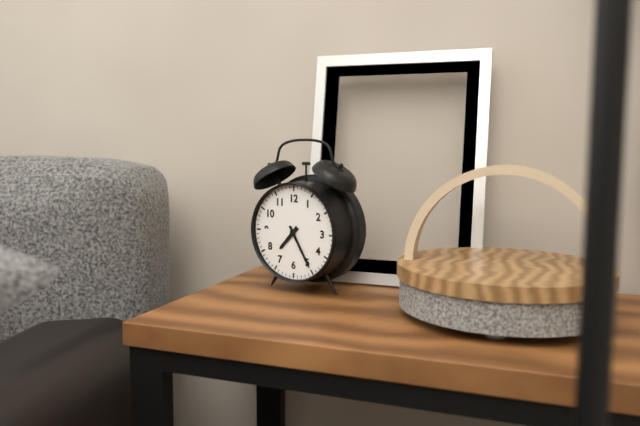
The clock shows **7:25**
